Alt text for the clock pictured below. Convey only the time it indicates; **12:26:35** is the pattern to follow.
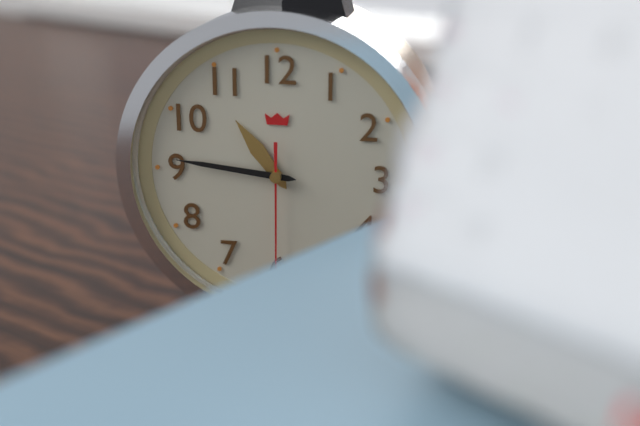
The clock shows **10:46:30**
